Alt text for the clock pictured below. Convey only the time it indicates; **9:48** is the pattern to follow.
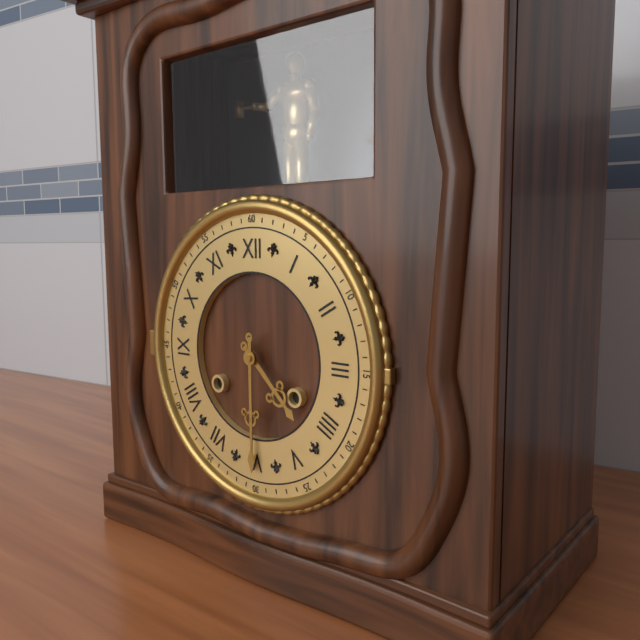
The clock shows **4:30**
